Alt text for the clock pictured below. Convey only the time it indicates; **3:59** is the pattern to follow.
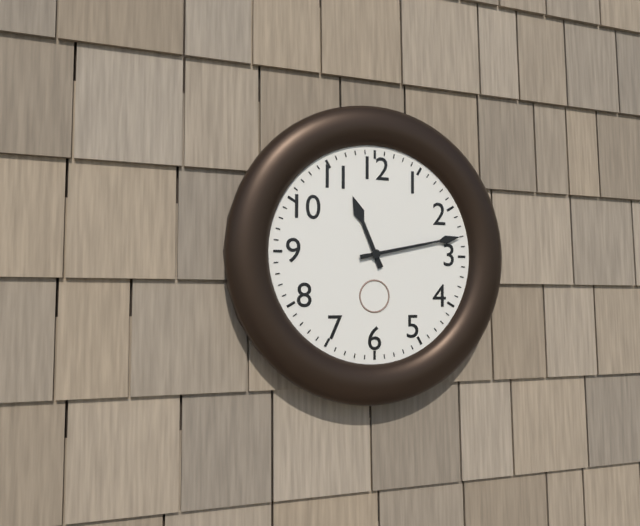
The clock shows **11:13**
